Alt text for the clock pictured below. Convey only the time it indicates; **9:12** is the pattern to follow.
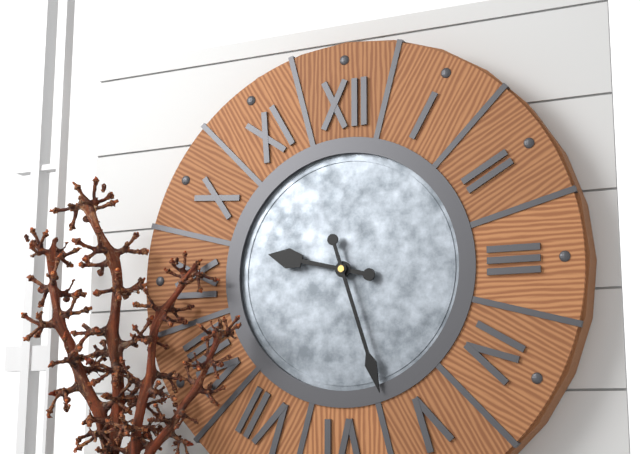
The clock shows **9:27**
